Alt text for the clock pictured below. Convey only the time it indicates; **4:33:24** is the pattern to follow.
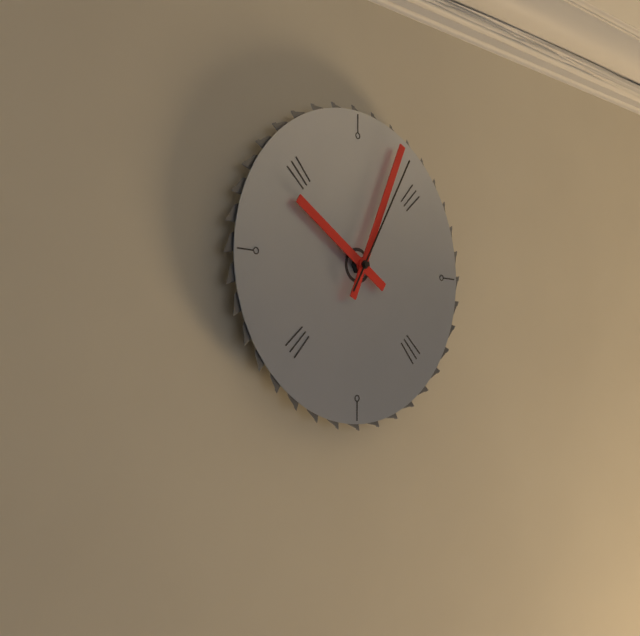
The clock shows **10:04:05**
